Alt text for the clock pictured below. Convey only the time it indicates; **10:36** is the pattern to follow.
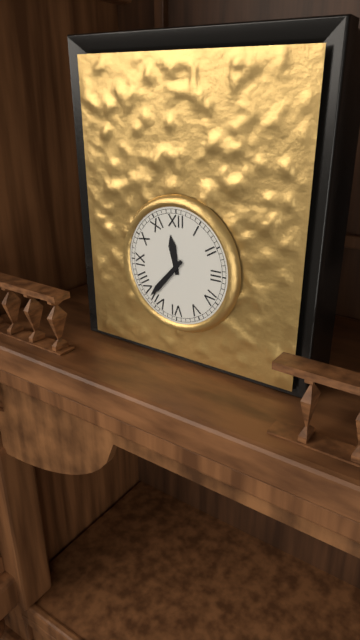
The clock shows **11:37**
